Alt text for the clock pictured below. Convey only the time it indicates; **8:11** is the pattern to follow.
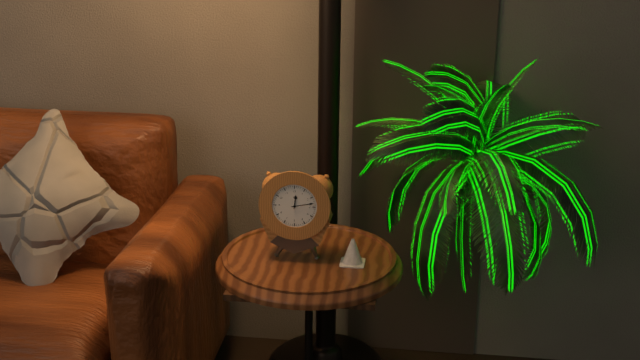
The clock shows **12:13**
